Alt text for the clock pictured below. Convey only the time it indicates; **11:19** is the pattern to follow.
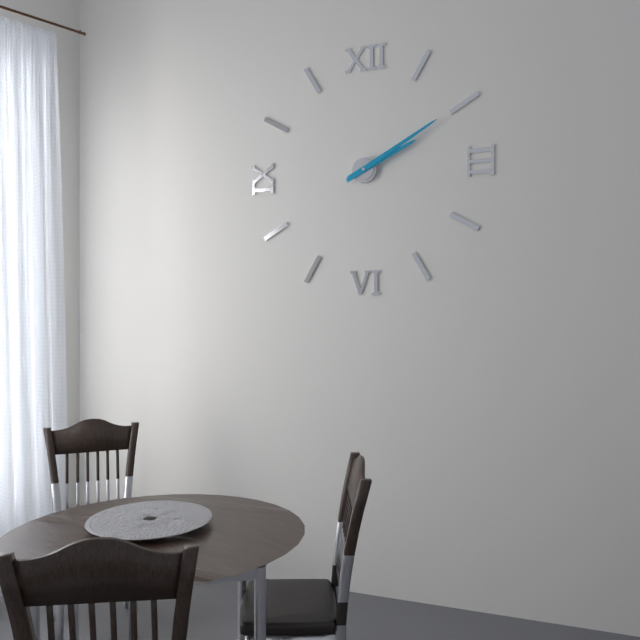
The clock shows **2:10**
